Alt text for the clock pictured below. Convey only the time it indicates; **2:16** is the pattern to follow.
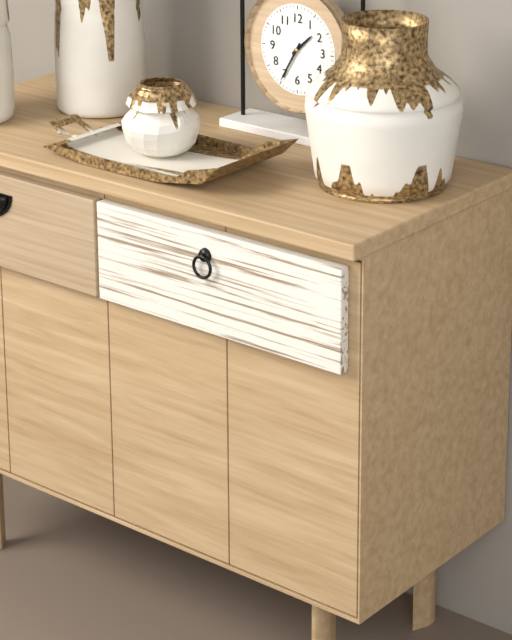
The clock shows **1:35**
